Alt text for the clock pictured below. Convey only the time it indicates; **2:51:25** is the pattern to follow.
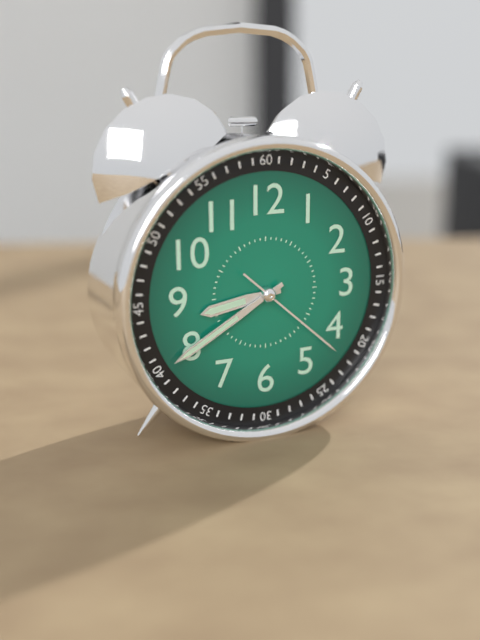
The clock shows **8:40:22**
